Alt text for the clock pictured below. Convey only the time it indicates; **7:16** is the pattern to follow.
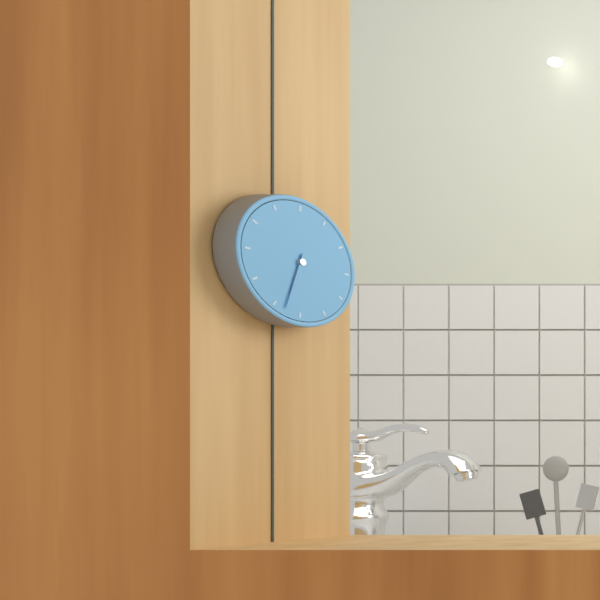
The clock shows **6:33**
